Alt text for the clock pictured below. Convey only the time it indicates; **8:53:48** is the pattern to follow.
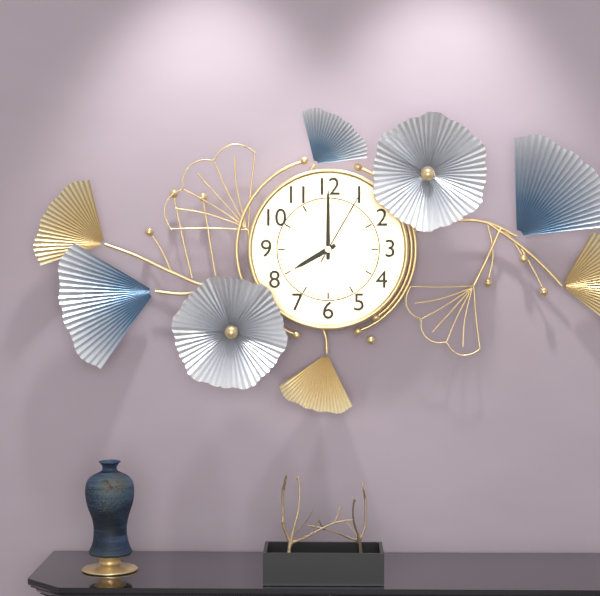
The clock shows **8:00:05**
